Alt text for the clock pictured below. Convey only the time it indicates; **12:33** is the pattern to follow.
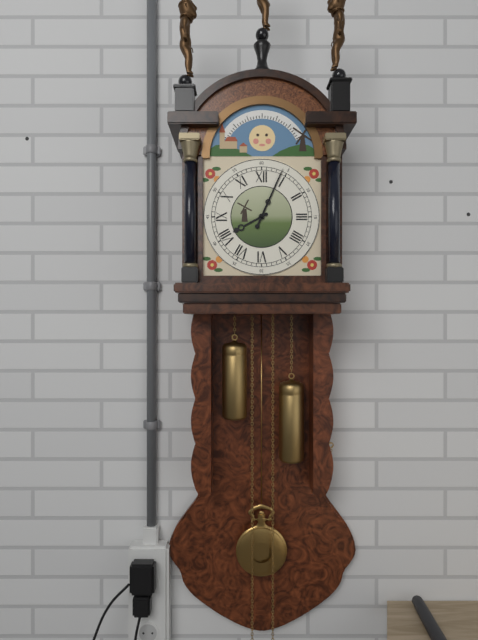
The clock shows **8:04**
